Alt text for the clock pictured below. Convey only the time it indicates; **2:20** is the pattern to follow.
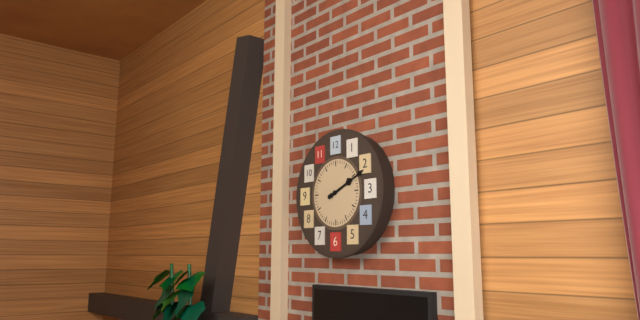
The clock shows **2:11**
